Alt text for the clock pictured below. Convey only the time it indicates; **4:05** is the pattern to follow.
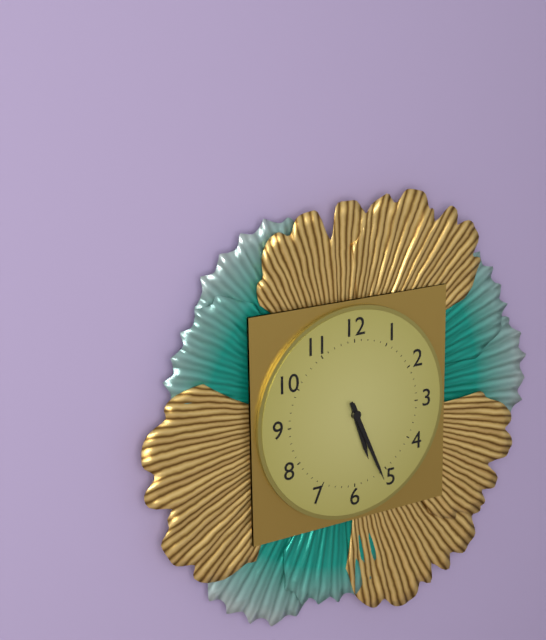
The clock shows **5:26**
